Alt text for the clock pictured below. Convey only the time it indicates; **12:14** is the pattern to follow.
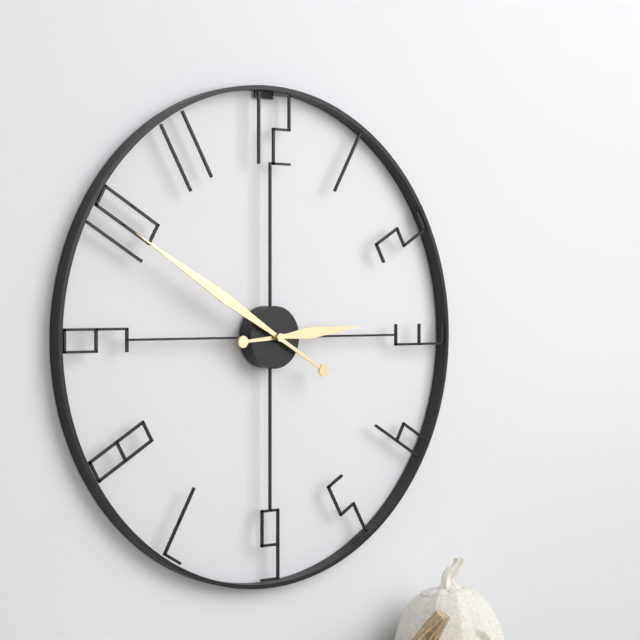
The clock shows **2:50**
